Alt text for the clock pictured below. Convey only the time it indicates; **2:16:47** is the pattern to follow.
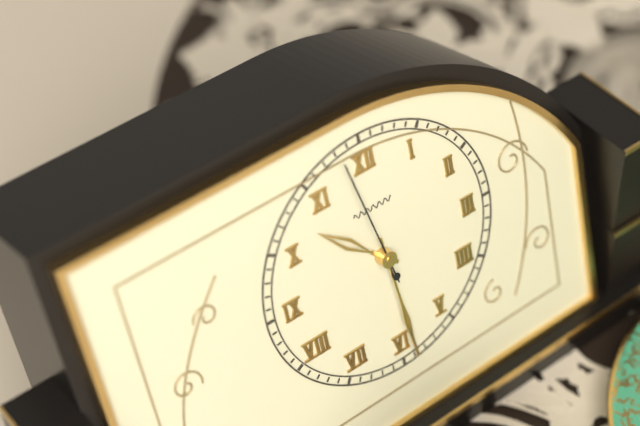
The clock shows **10:29:58**
